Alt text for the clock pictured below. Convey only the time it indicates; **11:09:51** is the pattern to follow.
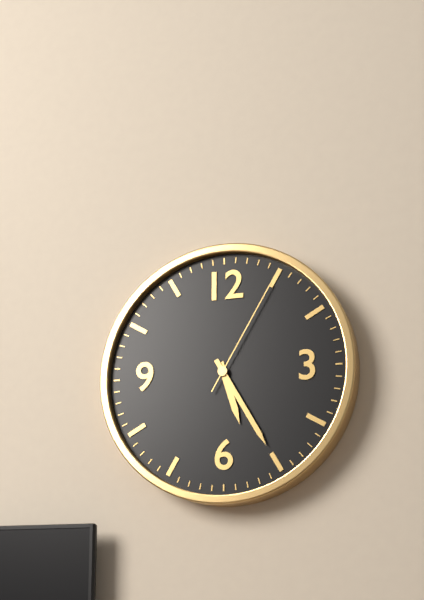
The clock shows **5:25:05**
